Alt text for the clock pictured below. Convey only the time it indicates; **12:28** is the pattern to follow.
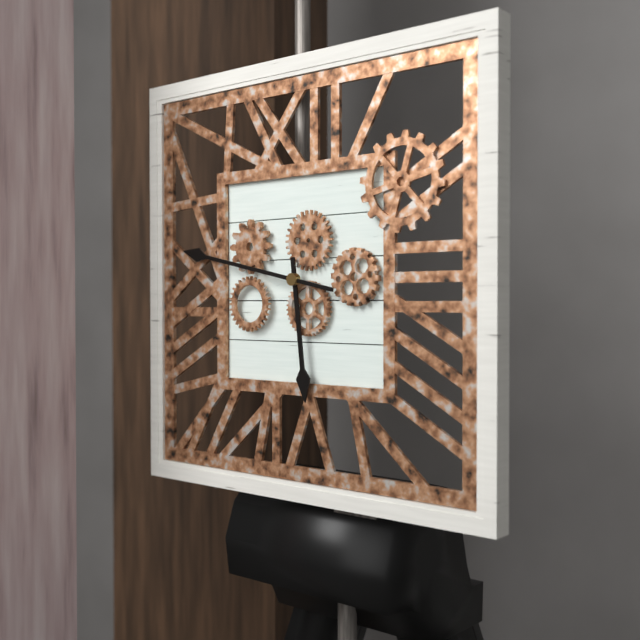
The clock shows **5:47**
